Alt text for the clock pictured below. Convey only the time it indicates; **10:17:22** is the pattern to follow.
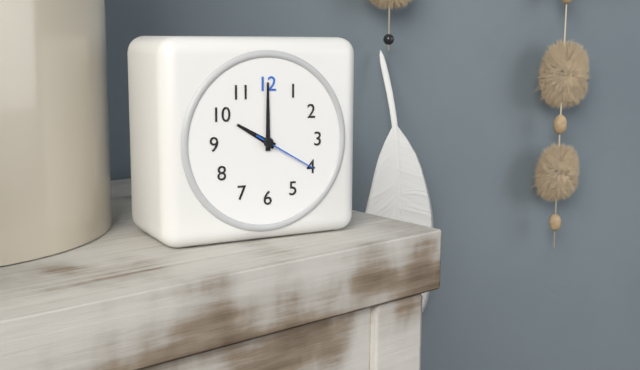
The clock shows **10:00:20**
